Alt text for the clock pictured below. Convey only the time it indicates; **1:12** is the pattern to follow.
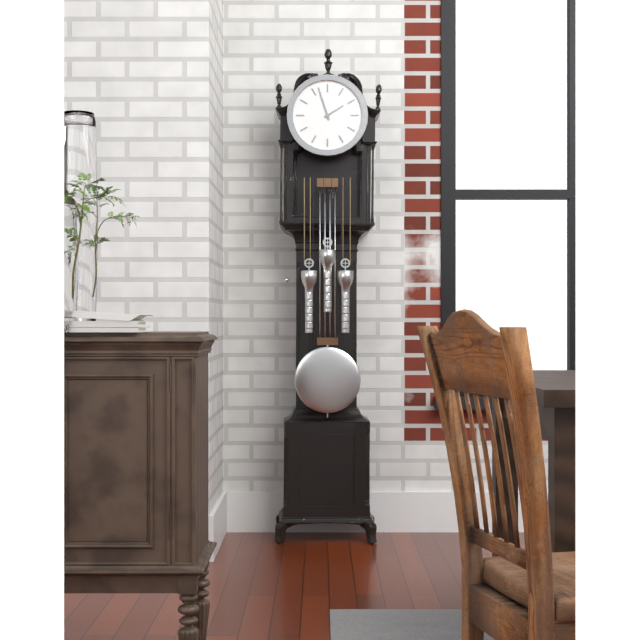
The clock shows **1:57**
